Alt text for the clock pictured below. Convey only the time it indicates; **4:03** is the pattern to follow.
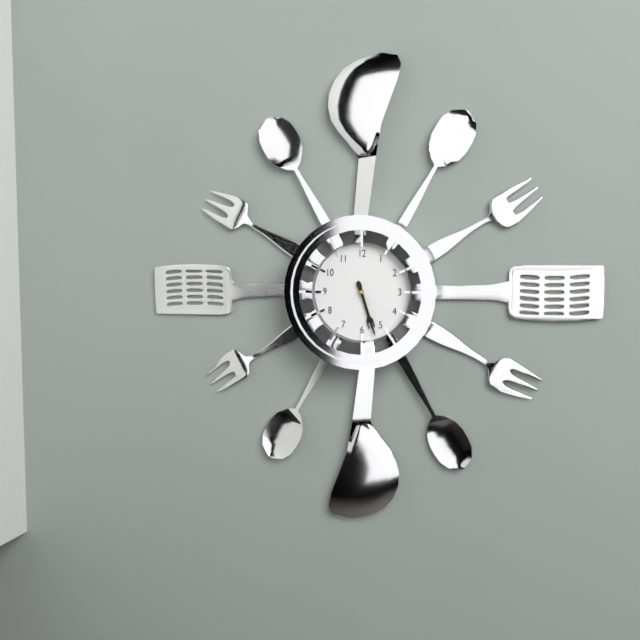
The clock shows **5:27**
